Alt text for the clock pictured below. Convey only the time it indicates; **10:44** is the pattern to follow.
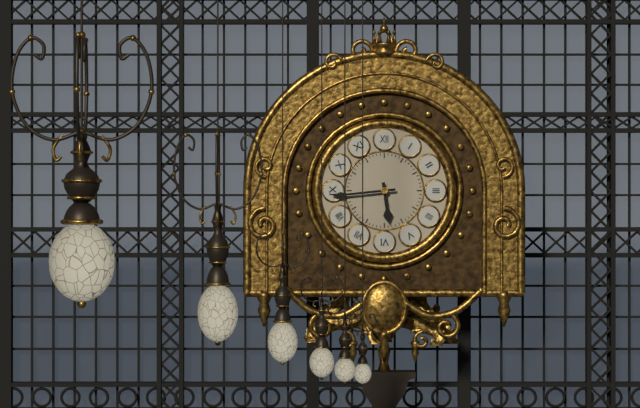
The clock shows **5:44**
